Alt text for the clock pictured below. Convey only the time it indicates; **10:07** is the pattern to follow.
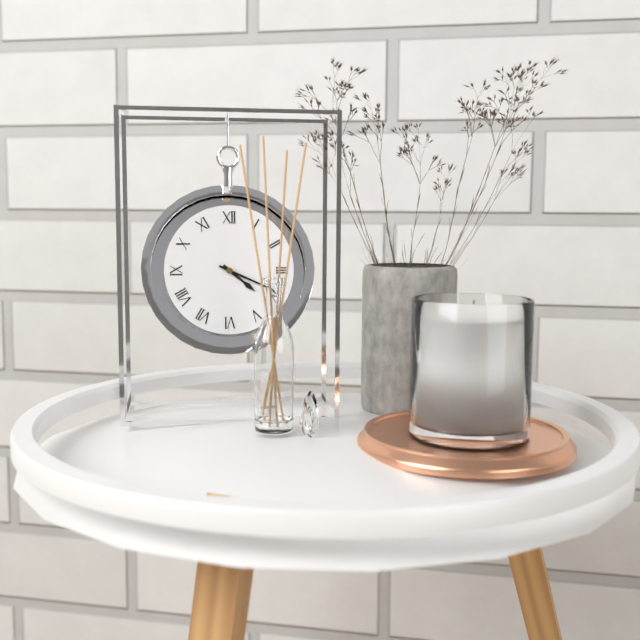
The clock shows **4:19**
